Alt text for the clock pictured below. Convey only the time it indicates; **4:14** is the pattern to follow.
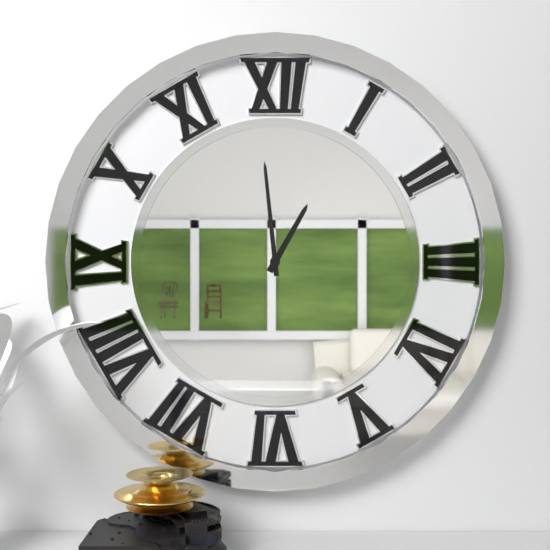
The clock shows **12:59**
